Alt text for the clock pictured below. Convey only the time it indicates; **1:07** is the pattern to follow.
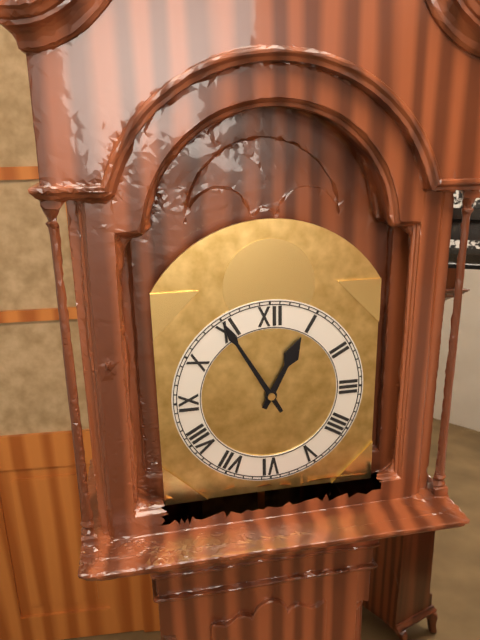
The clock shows **12:55**
